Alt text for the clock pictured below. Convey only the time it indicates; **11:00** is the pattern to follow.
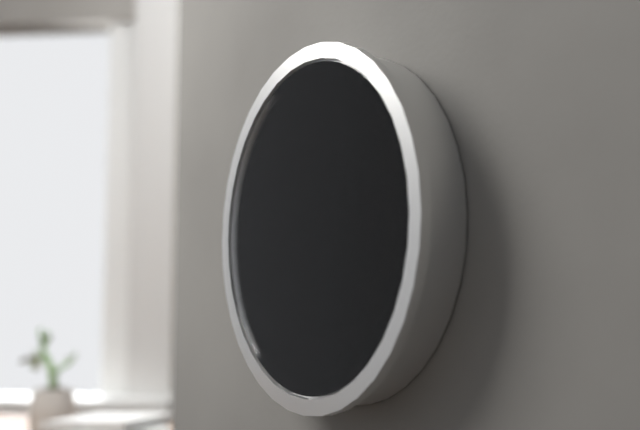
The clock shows **6:55**
